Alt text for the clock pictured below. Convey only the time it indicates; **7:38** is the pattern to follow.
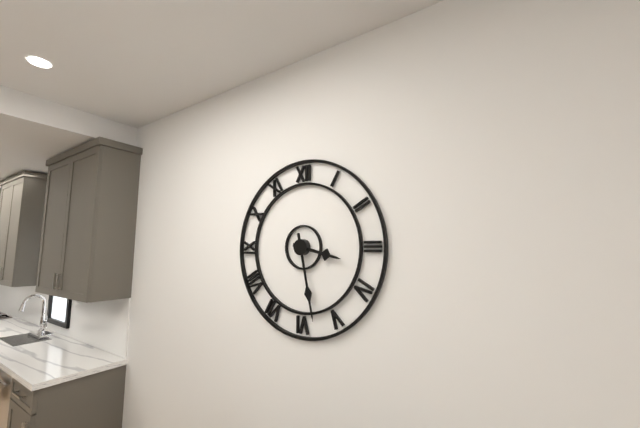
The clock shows **3:28**
